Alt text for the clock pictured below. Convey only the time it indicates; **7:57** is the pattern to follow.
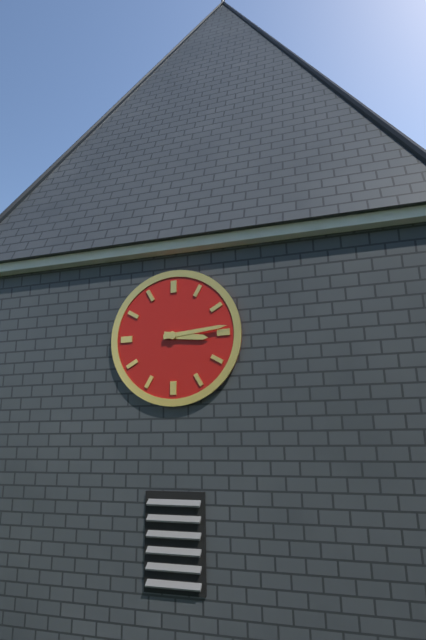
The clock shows **3:14**
